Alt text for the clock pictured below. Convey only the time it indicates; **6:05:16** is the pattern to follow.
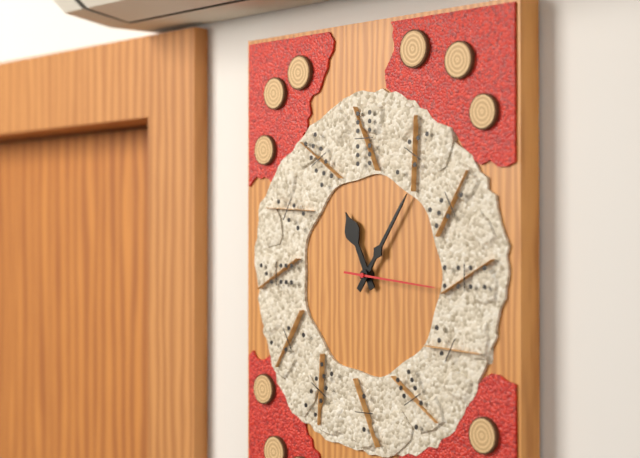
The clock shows **11:06:16**
